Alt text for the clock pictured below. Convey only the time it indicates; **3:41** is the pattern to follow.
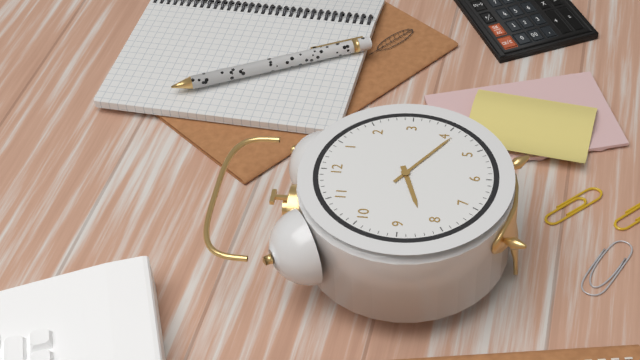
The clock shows **8:21**
